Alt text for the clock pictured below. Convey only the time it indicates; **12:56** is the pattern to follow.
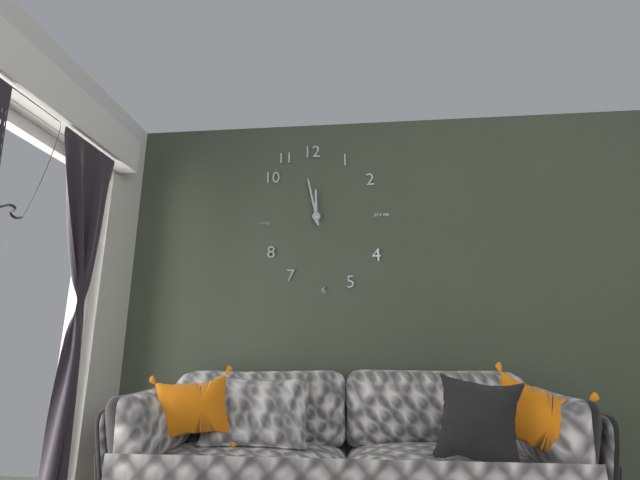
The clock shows **11:58**
